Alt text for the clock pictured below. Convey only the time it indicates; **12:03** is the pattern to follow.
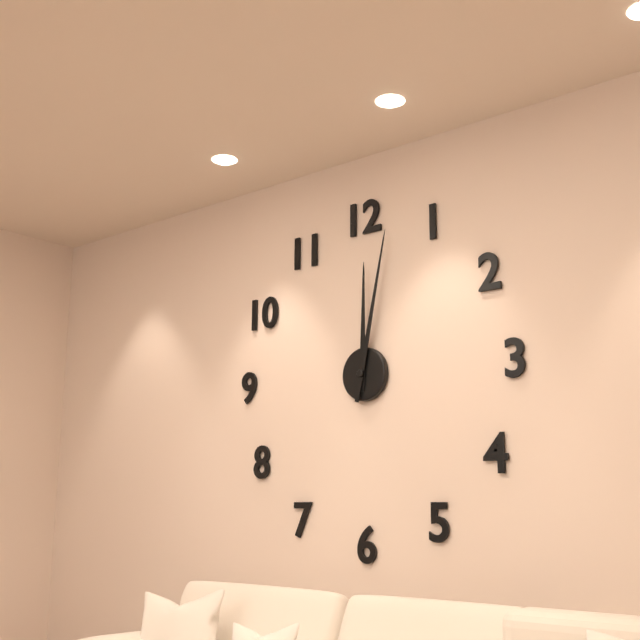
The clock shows **12:02**
